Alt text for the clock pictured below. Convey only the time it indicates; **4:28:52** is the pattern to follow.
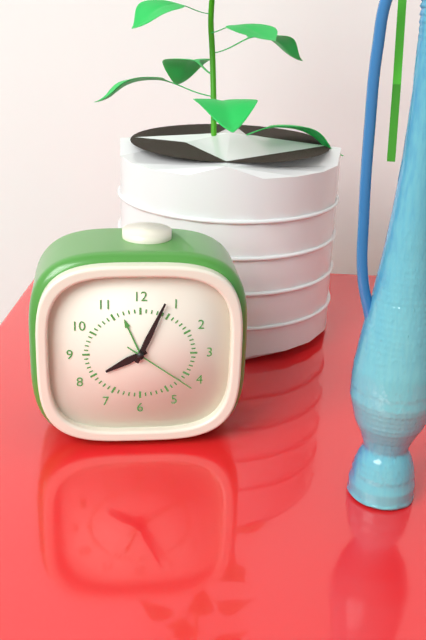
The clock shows **8:04:21**
